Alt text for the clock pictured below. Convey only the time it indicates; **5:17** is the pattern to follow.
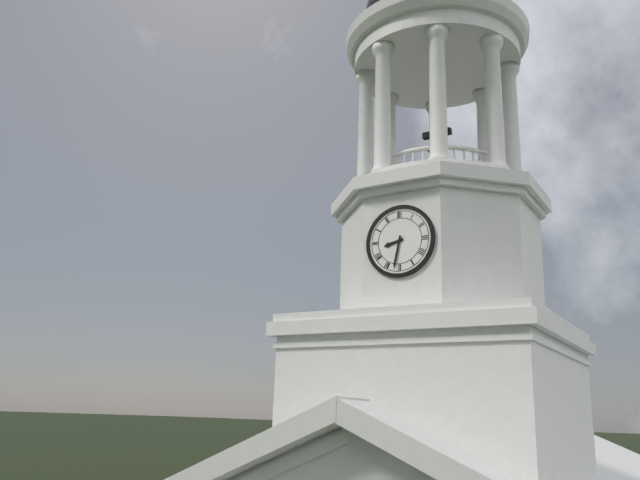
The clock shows **8:32**
